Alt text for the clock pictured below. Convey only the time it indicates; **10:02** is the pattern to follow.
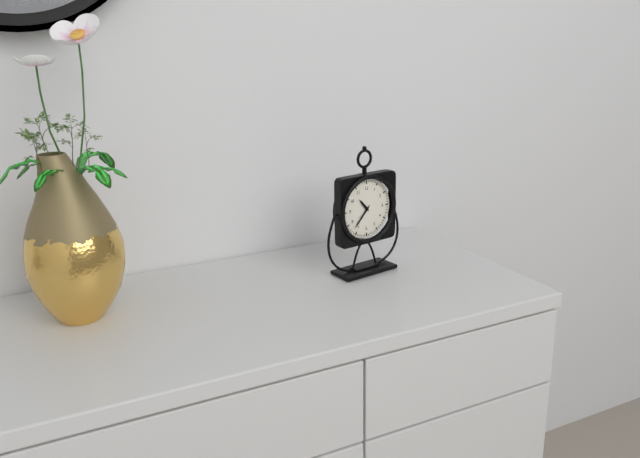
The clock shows **10:37**
